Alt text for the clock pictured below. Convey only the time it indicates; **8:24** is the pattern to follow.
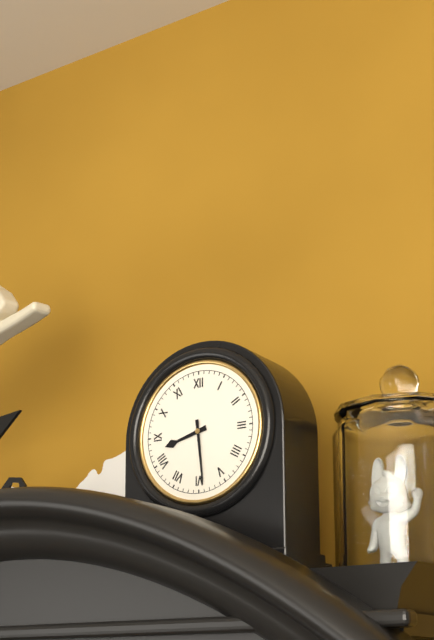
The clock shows **8:29**
